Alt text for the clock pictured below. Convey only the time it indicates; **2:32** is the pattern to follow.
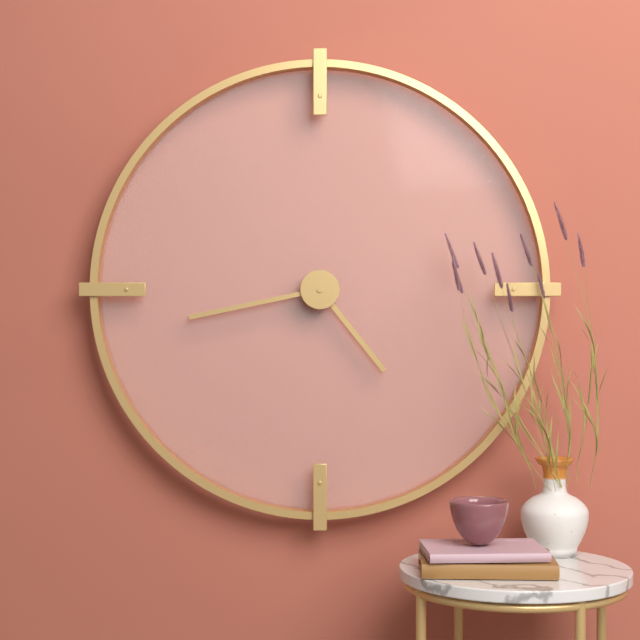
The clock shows **4:43**
